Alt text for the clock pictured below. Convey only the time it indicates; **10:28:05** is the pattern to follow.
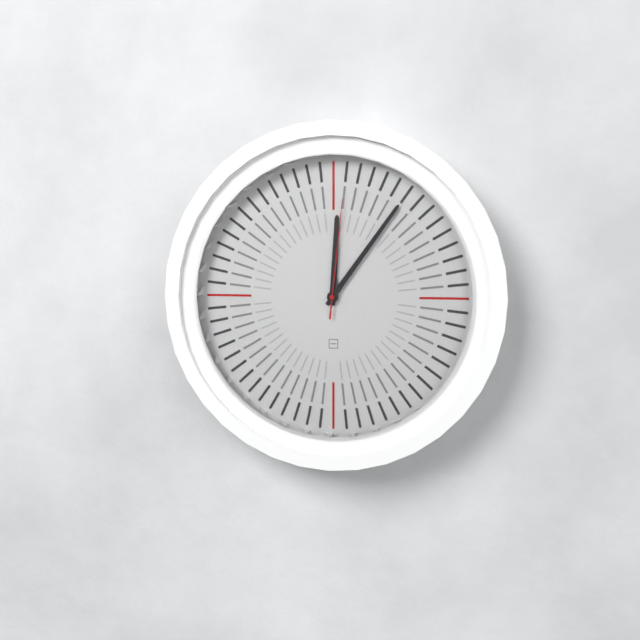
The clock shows **12:06:01**
